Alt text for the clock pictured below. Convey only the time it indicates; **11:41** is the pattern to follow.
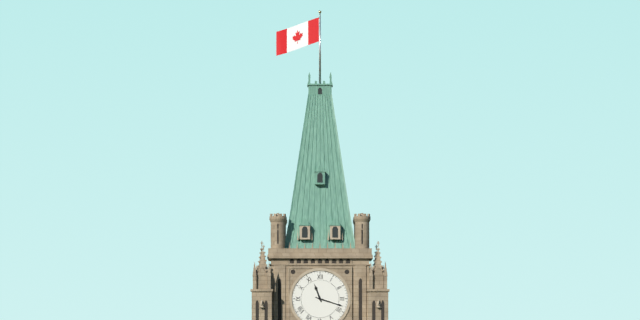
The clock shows **11:18**
